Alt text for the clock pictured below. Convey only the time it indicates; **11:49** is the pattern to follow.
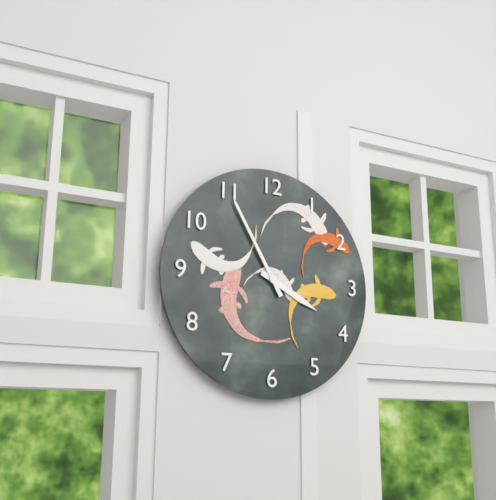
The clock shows **3:55**
